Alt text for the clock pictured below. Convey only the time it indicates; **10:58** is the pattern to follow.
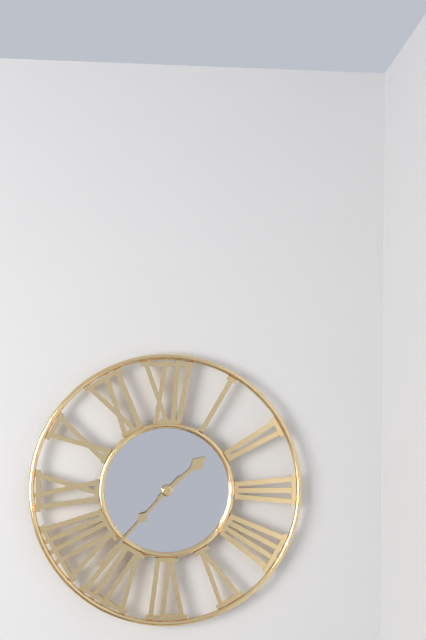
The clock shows **1:37**
